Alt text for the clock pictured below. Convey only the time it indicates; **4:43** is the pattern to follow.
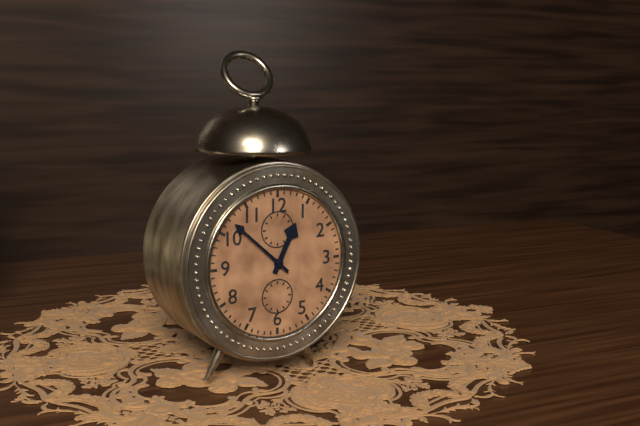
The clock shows **12:52**
